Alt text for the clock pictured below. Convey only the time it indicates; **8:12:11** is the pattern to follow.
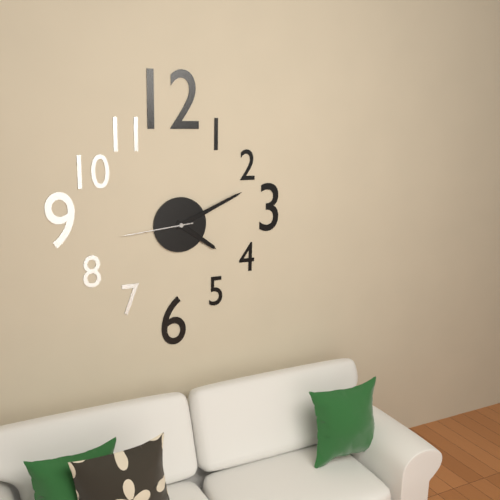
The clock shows **4:11:44**
